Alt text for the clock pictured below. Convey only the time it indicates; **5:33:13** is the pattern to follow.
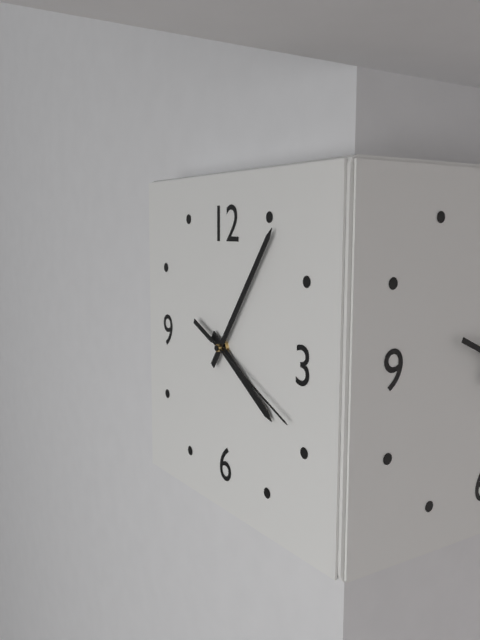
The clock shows **4:06:19**
